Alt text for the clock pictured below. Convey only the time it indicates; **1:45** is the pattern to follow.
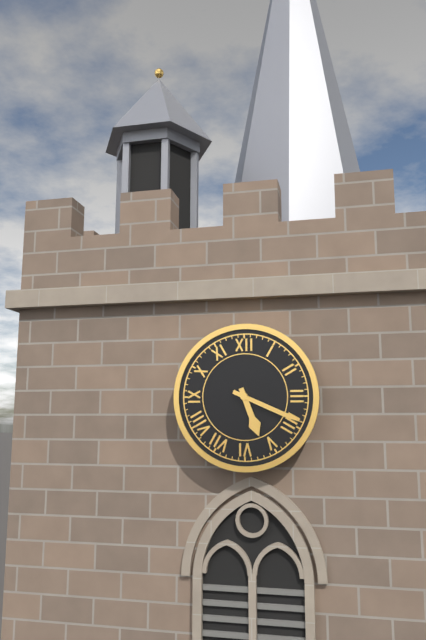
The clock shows **5:19**
